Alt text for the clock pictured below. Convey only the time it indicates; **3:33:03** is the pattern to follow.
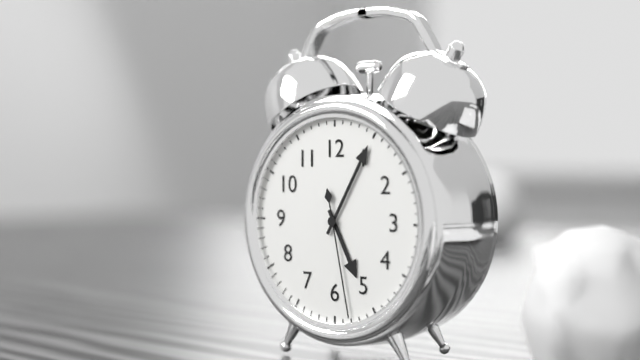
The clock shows **5:05:28**
